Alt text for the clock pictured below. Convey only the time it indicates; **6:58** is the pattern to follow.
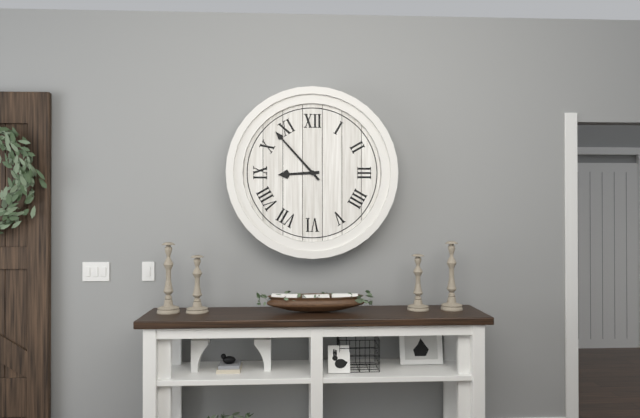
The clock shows **8:53**
